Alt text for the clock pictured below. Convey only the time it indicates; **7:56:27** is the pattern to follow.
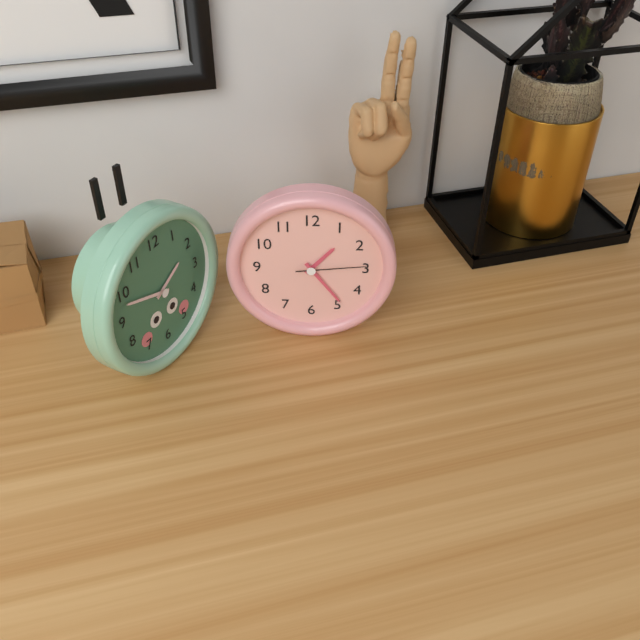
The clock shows **1:24:14**
